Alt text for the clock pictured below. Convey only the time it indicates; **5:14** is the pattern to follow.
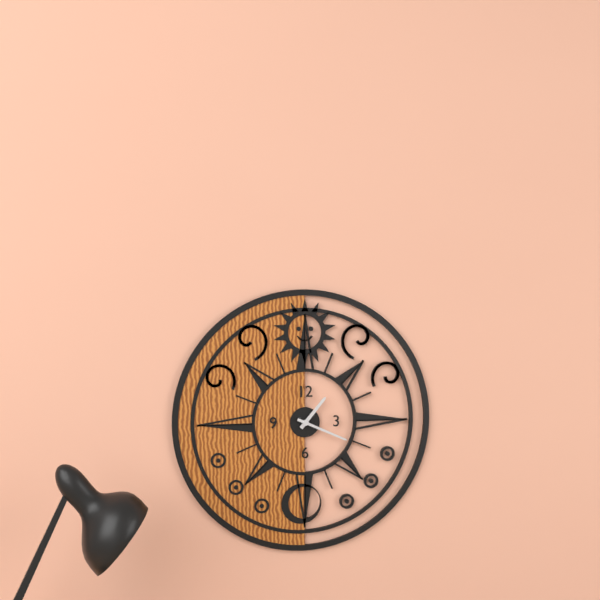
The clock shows **1:19**
